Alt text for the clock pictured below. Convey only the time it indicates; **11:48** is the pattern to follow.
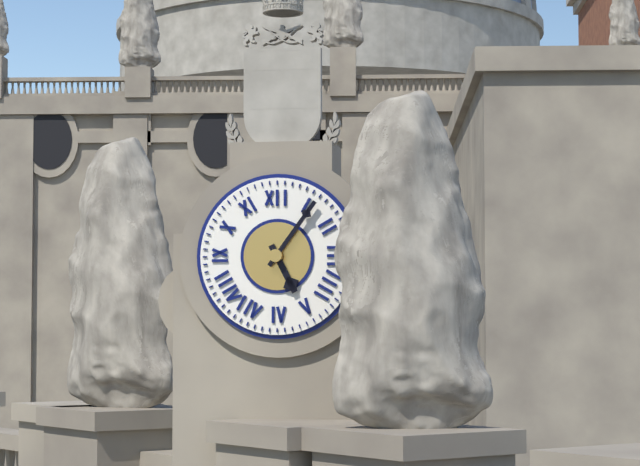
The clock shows **5:06**
